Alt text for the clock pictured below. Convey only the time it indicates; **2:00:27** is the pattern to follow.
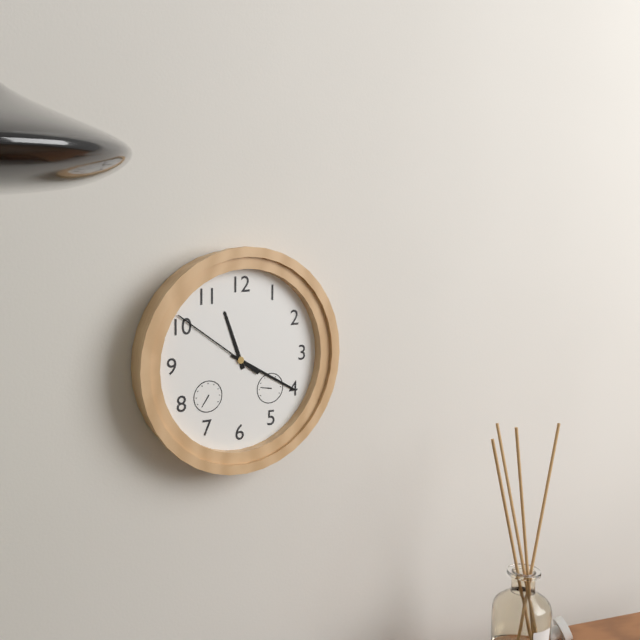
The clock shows **11:20:51**
